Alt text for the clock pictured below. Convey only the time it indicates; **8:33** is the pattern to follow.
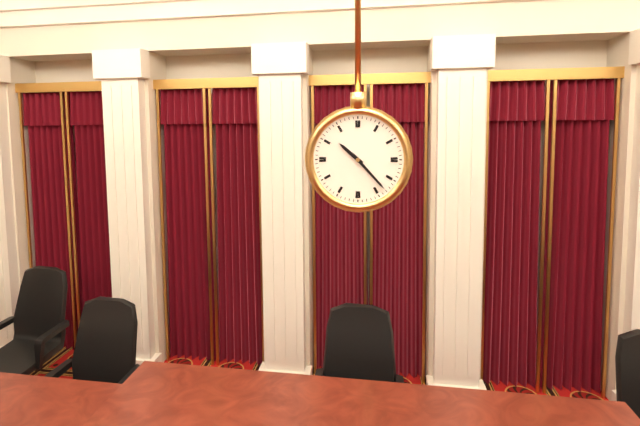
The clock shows **10:23**
